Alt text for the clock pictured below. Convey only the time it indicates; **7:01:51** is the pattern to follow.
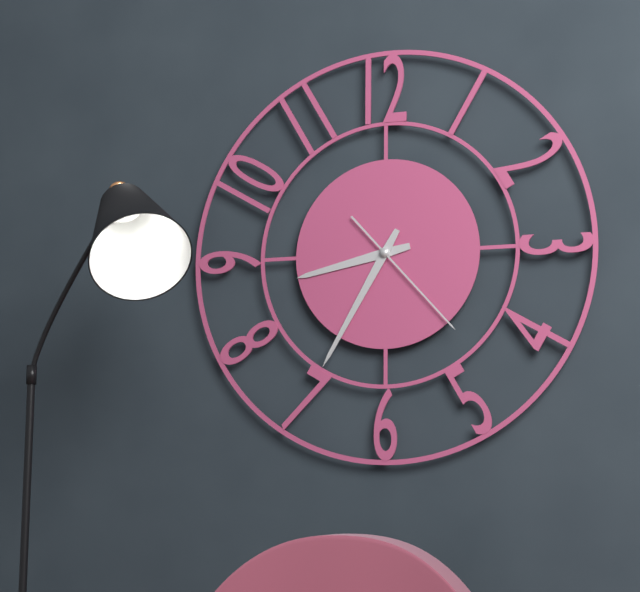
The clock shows **8:35:23**
